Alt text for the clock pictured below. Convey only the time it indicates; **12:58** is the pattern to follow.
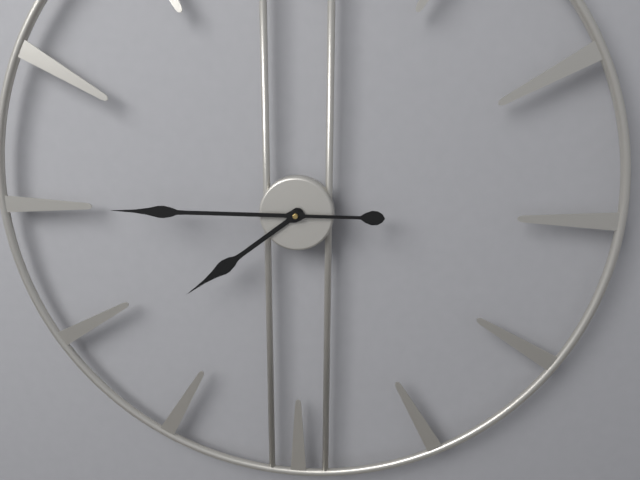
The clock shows **7:45**
